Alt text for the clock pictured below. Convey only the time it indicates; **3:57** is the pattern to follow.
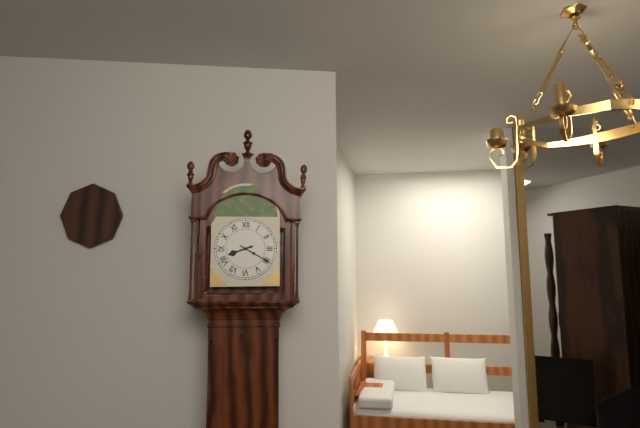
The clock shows **8:20**
